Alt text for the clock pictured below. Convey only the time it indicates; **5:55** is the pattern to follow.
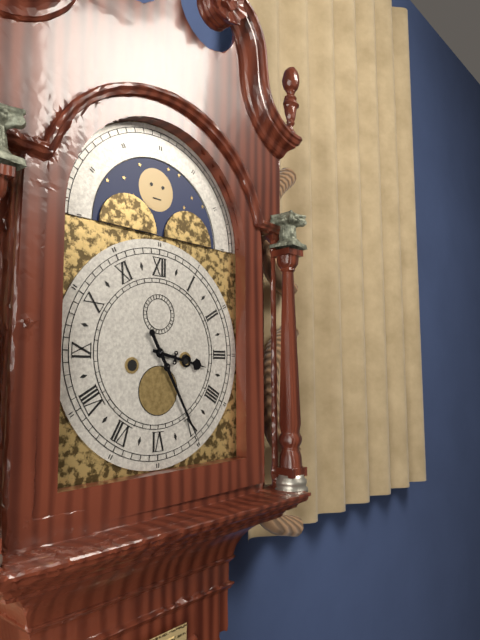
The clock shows **3:25**
